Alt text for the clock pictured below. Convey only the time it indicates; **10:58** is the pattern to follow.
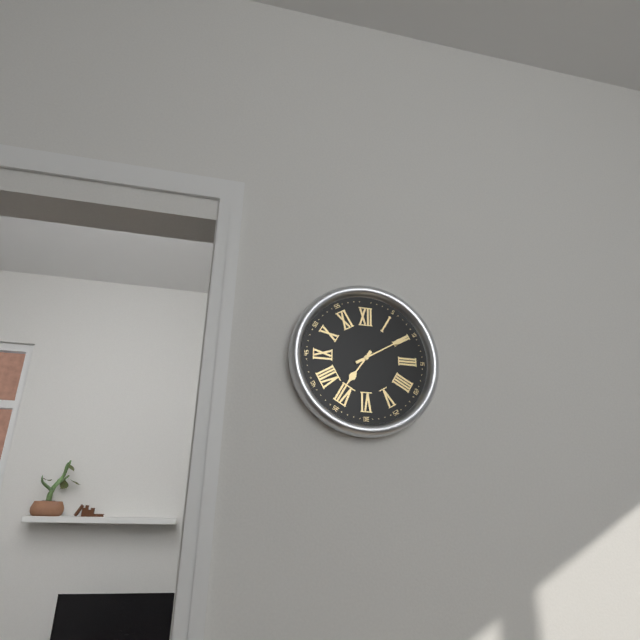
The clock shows **7:10**
